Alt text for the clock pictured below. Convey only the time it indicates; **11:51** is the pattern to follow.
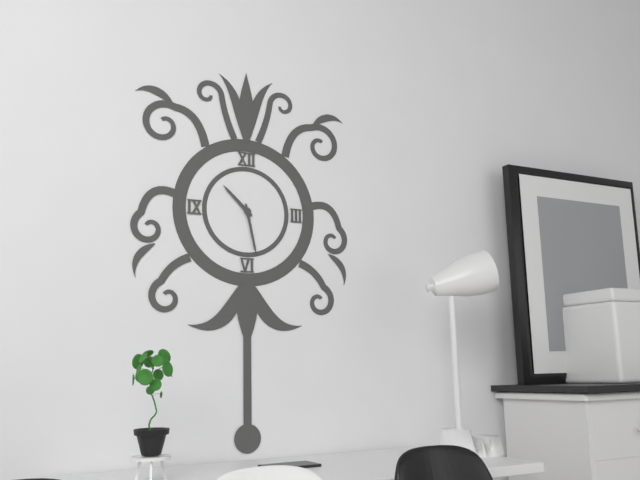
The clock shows **10:28**
